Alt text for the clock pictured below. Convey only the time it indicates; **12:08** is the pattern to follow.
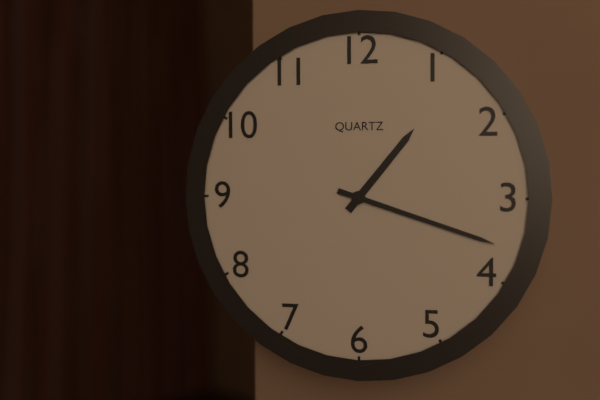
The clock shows **1:18**
